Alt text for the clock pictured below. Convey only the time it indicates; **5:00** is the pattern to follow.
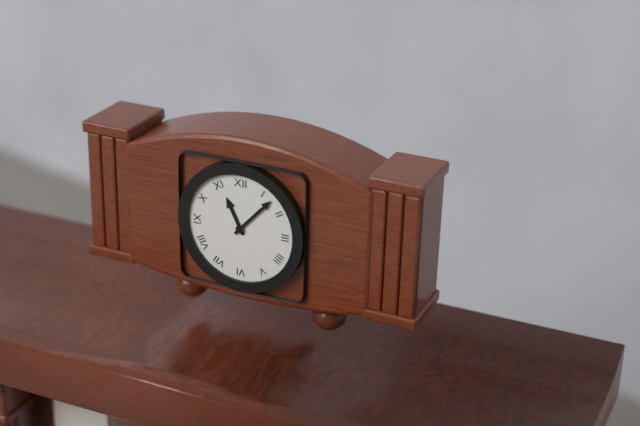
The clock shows **11:07**
